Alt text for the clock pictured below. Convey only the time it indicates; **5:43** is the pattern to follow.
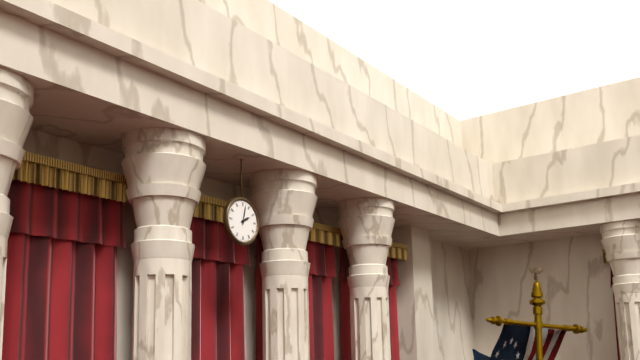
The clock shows **2:02**
